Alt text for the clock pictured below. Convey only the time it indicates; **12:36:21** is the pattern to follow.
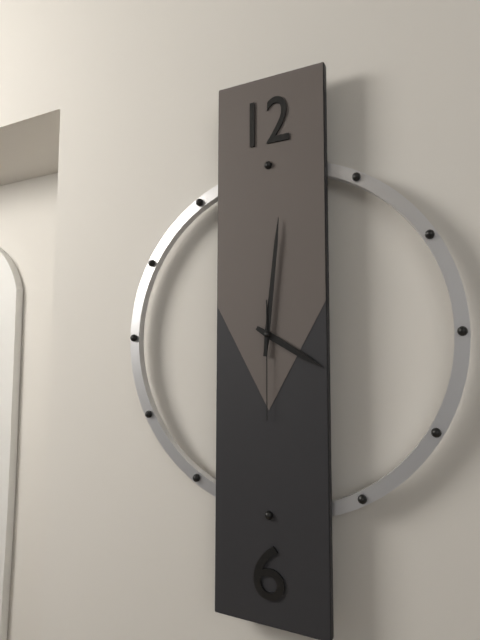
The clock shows **4:01:30**
